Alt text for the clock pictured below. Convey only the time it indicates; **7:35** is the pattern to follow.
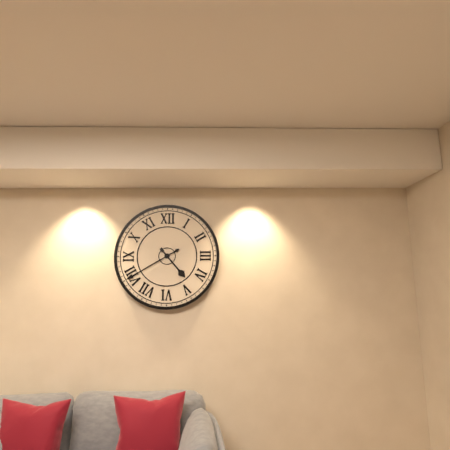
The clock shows **4:40**
